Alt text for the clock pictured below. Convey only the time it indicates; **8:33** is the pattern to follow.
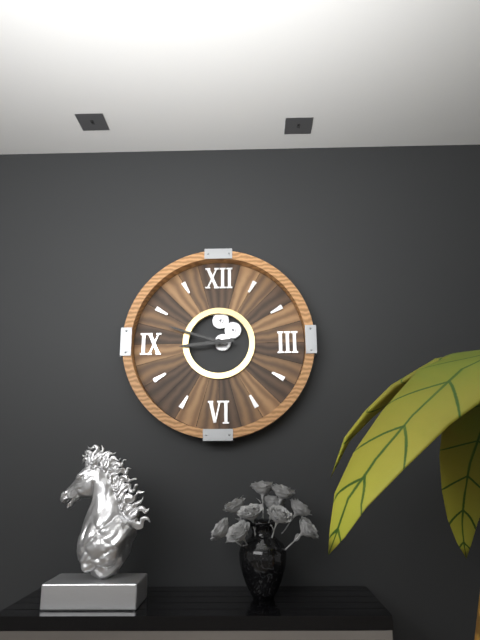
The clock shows **8:48**
